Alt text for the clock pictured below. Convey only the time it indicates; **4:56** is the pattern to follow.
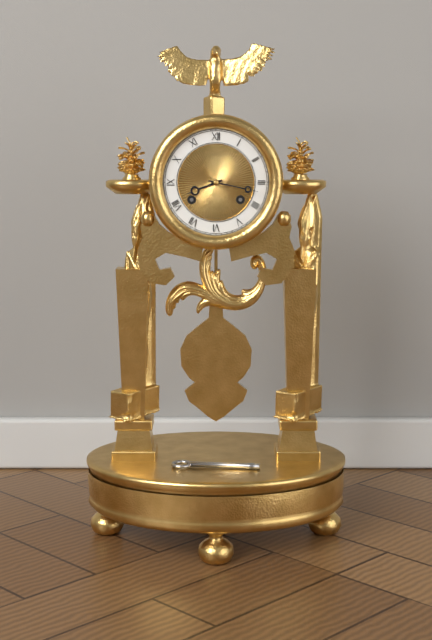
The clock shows **8:17**
